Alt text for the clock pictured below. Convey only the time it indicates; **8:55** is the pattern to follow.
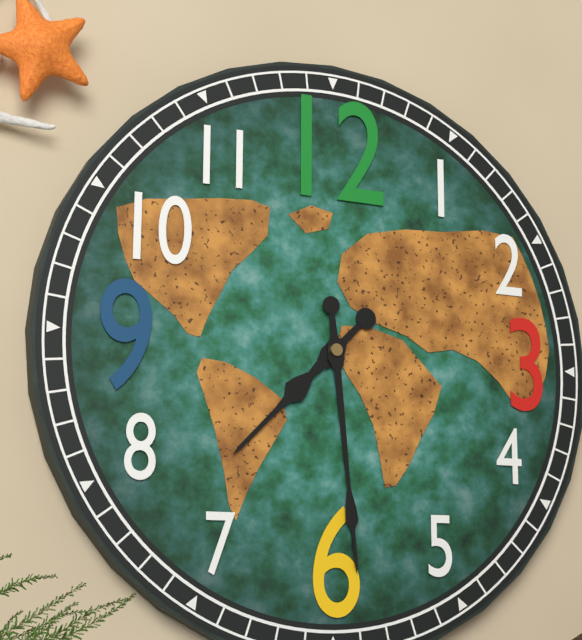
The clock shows **7:29**
